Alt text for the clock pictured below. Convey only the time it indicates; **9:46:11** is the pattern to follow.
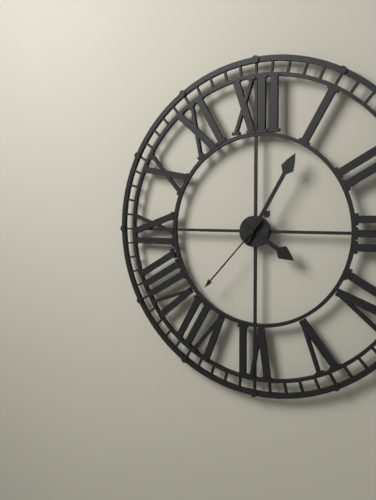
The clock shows **4:05:37**
